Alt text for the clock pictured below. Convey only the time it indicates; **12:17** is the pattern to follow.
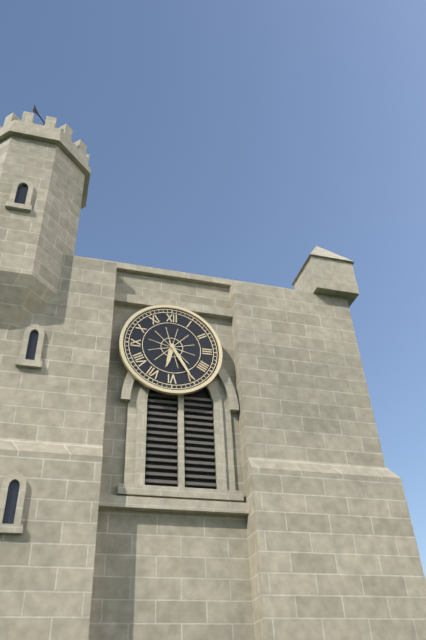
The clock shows **6:25**
